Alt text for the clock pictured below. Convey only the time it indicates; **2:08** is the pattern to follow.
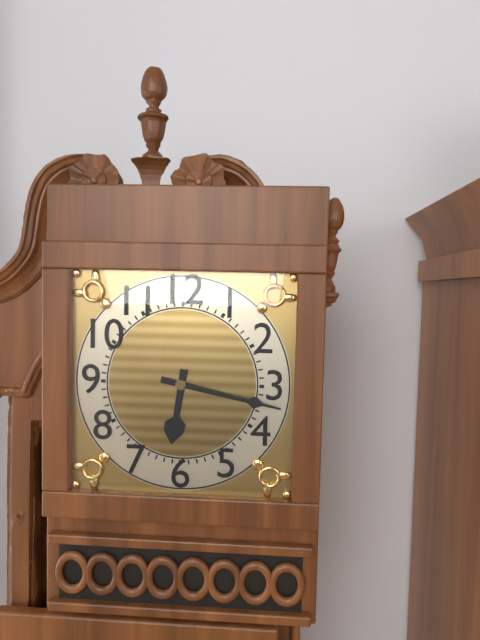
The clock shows **6:17**
